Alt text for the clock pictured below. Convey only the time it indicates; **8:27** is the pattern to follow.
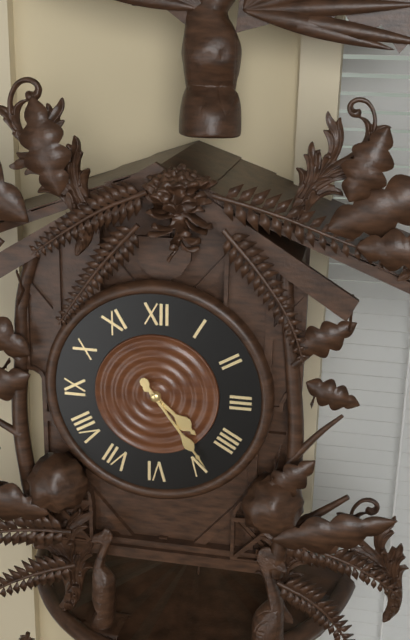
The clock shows **4:24**
